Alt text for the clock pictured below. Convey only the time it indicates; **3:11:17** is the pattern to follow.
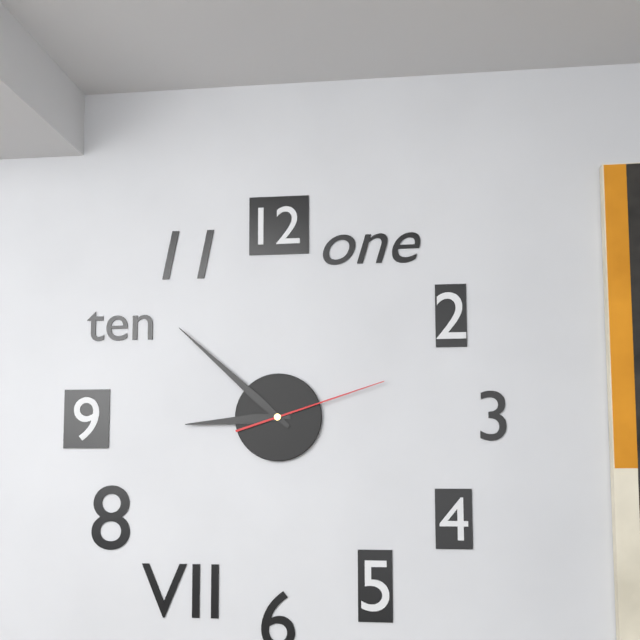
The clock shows **8:52:12**
